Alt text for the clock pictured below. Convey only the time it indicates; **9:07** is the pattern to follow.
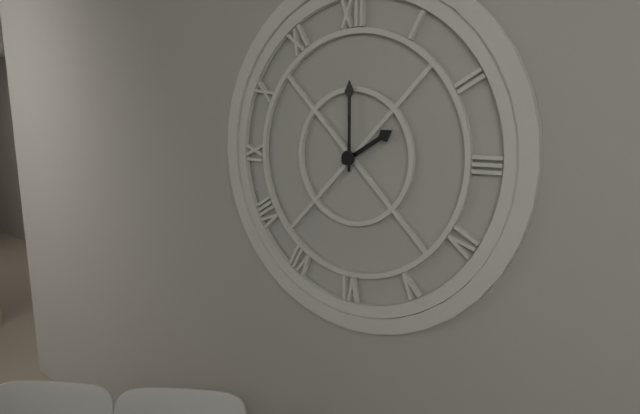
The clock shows **2:00**
